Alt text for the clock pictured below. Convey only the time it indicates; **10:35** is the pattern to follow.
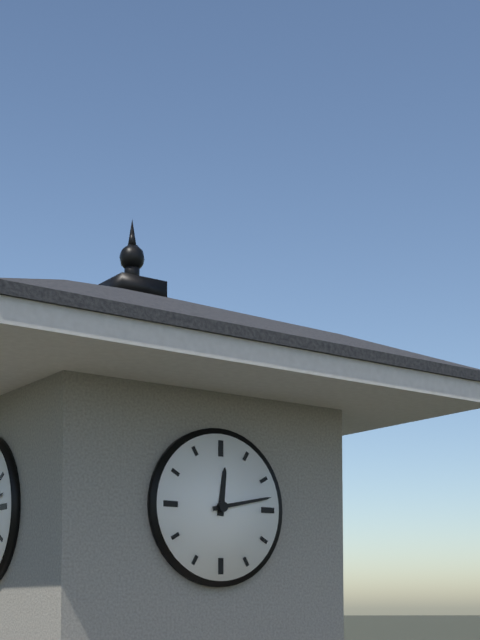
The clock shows **12:13**
